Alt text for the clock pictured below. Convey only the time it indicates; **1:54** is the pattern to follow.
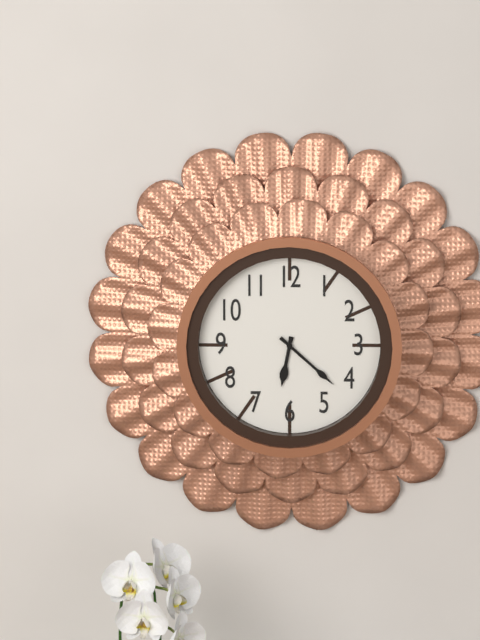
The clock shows **6:22**
